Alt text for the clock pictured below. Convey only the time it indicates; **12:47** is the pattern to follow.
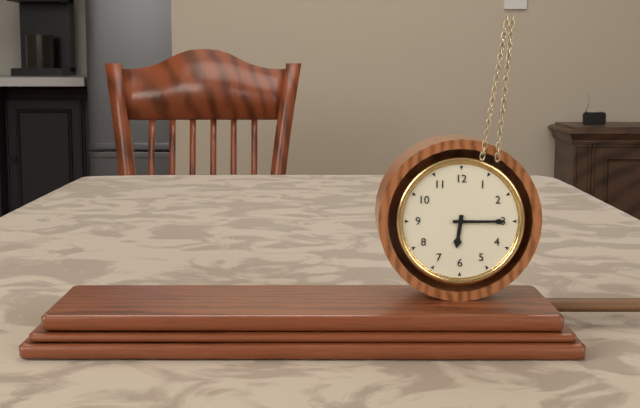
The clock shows **6:15**
